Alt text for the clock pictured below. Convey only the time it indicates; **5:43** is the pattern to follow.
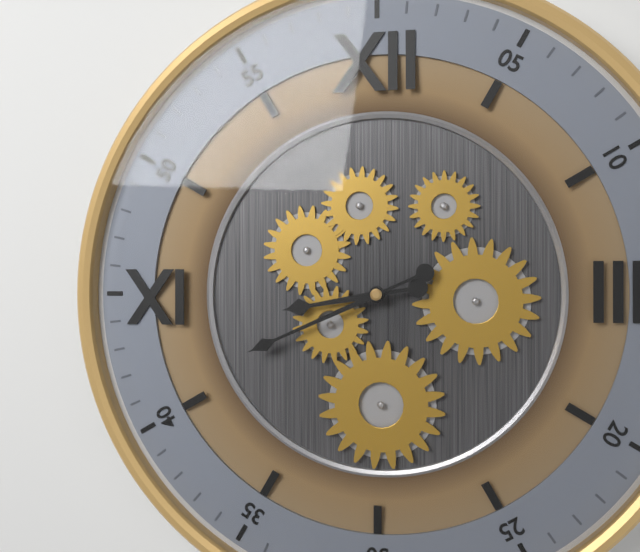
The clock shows **8:41**
